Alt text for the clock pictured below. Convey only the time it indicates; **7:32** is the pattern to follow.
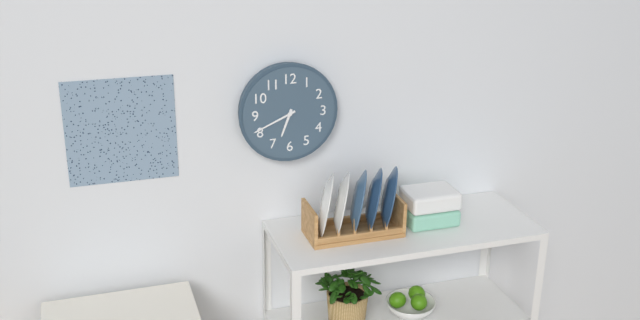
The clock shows **6:41**
